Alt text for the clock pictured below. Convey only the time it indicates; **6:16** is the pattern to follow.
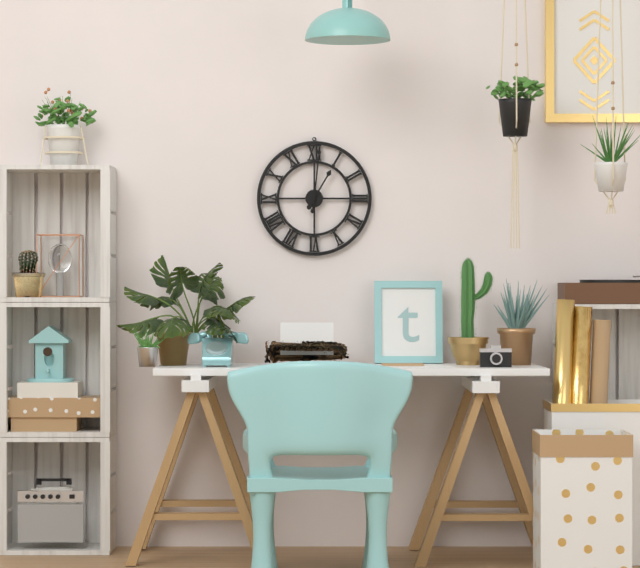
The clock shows **1:01**
